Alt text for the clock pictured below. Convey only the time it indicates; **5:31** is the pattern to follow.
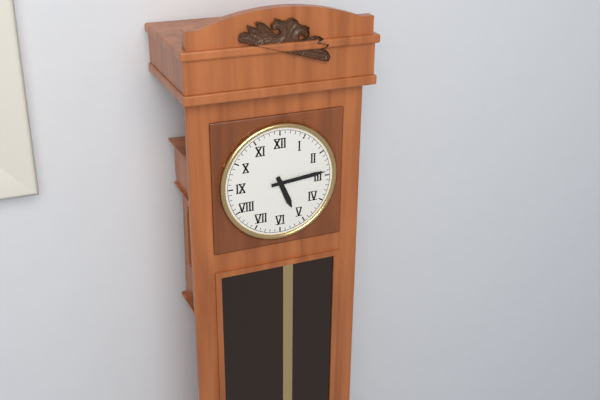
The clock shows **5:14**
